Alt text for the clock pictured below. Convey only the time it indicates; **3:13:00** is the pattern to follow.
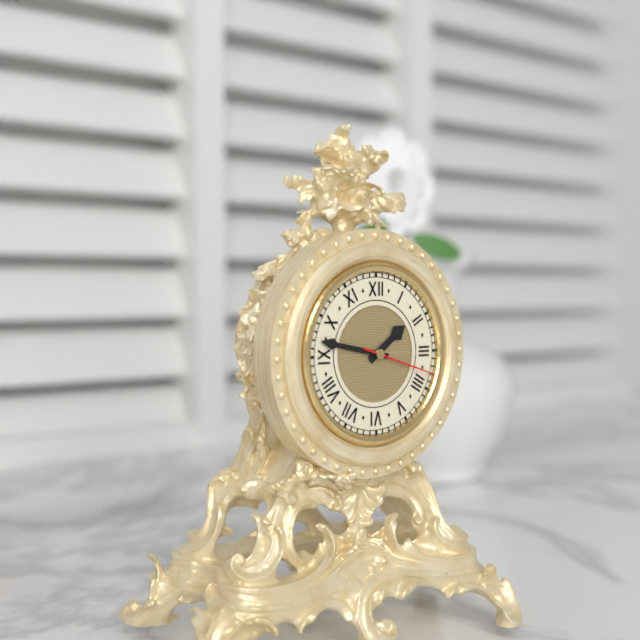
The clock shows **1:47:18**
